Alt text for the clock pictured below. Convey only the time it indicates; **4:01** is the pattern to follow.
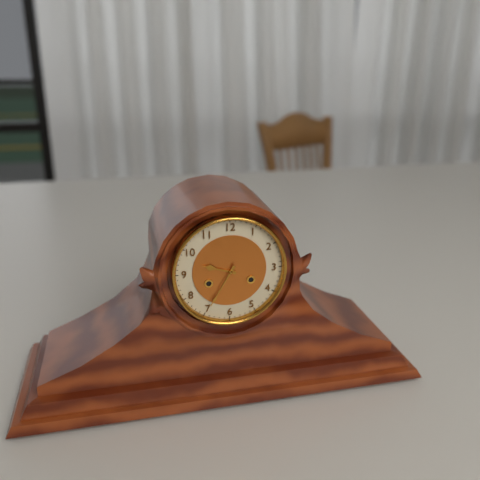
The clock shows **9:35**
